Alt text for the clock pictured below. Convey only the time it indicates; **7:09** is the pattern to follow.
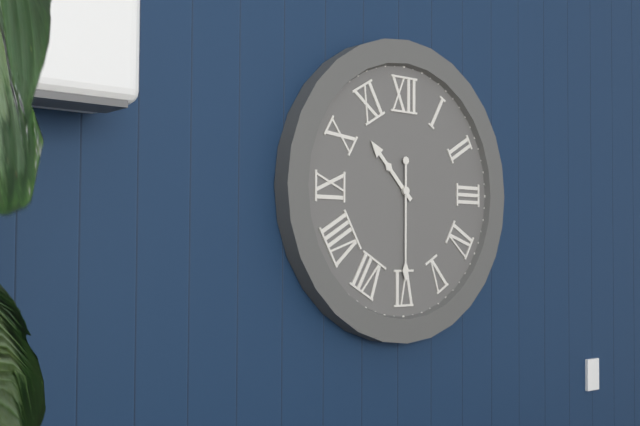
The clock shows **10:30**
